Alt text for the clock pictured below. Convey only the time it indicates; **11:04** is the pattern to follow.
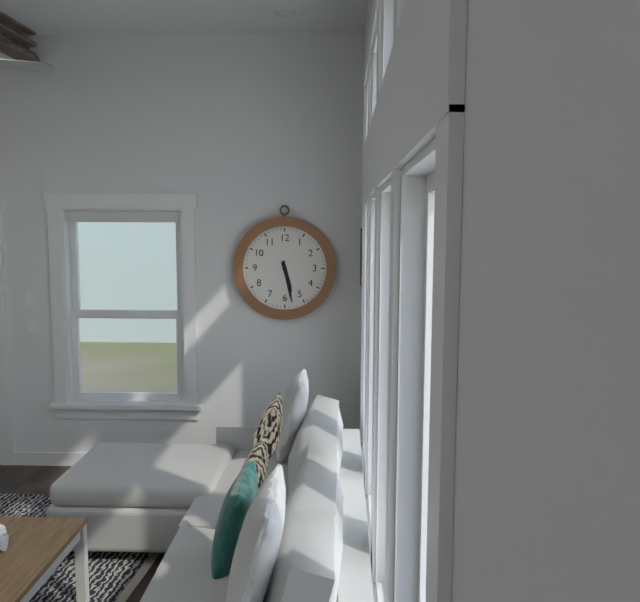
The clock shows **5:28**
